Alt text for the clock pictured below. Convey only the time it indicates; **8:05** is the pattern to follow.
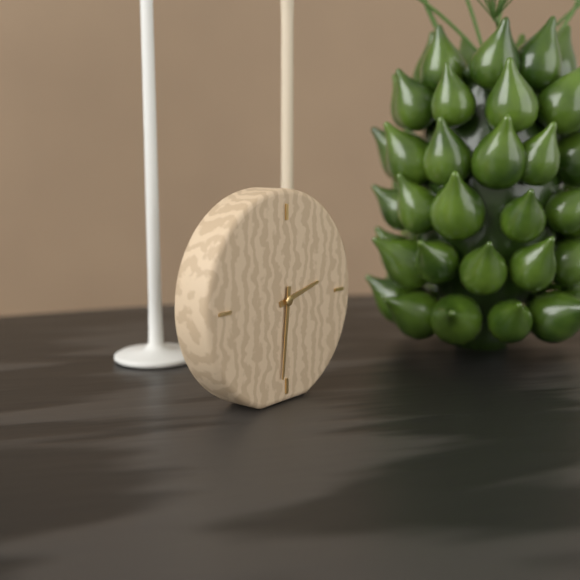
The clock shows **2:31**
